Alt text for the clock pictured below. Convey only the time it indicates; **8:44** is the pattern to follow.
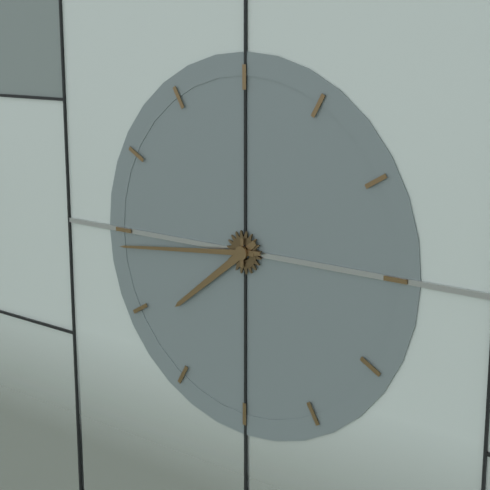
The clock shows **7:44**
